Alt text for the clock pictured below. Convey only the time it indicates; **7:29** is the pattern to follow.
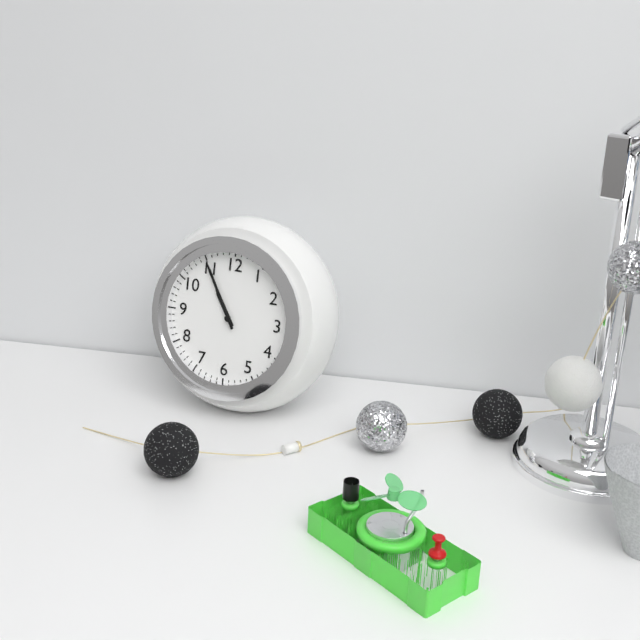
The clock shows **10:55**
